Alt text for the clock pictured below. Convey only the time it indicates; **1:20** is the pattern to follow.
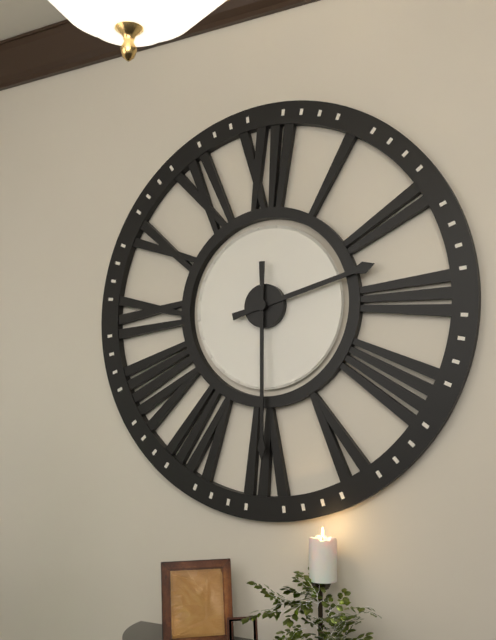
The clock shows **2:30**
